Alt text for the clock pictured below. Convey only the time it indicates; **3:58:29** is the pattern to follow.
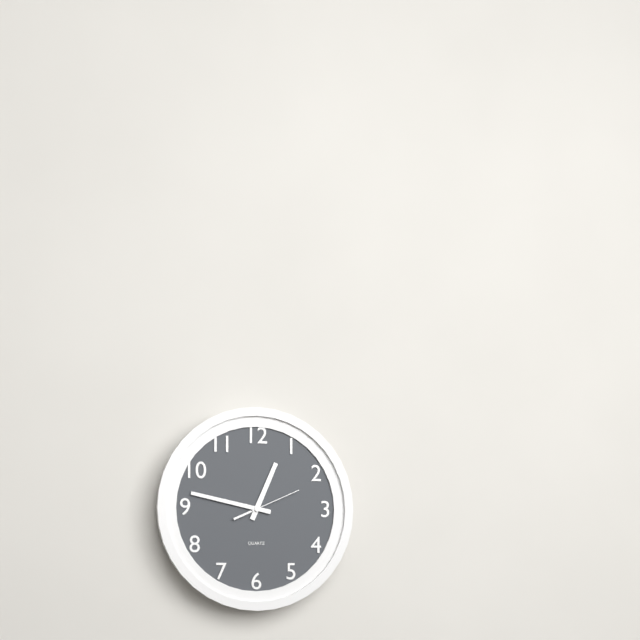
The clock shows **12:47:11**
